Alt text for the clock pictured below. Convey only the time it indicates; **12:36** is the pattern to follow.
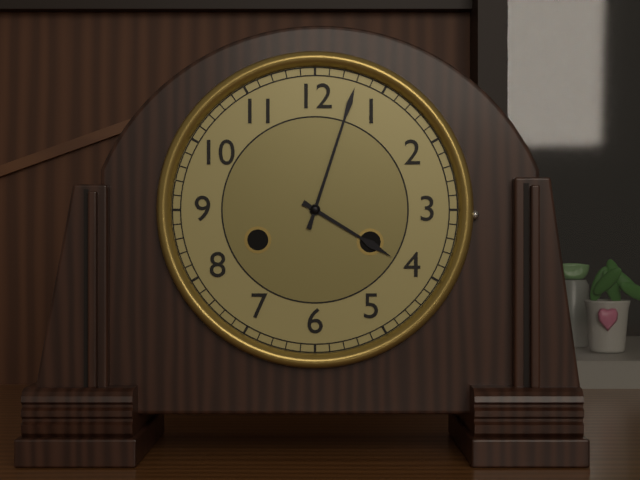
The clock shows **4:03**
